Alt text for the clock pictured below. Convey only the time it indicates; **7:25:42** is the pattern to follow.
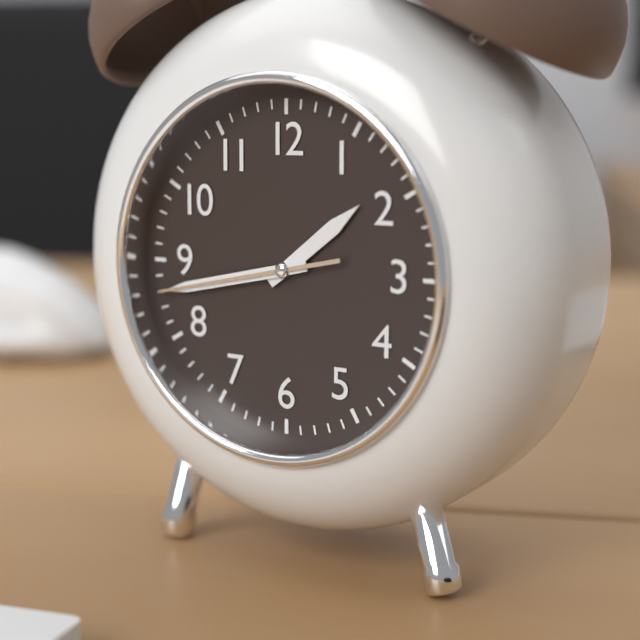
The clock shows **1:43:43**
